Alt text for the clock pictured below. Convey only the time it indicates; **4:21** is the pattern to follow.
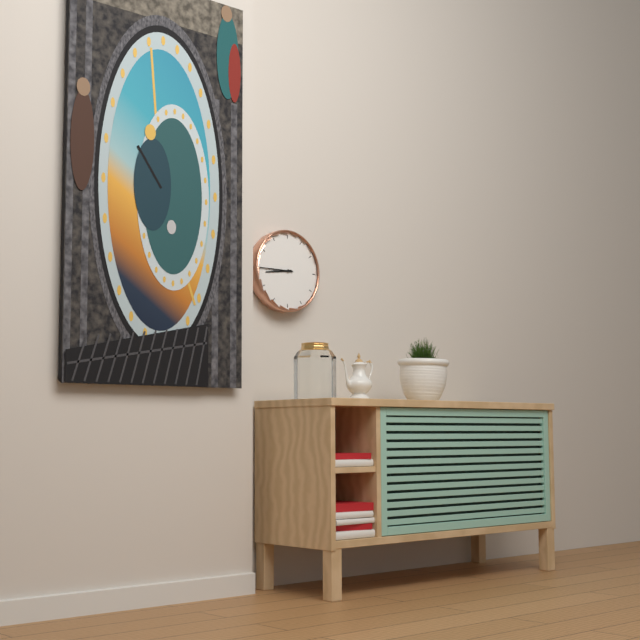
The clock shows **8:45**
